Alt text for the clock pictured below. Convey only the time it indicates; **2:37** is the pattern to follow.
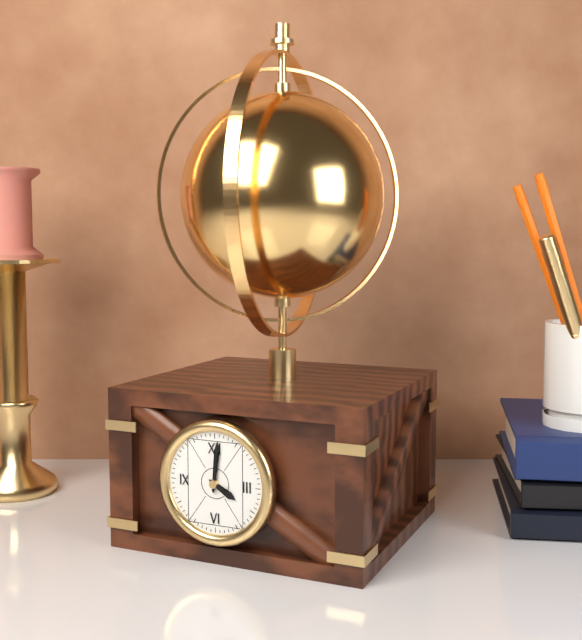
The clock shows **4:01**
